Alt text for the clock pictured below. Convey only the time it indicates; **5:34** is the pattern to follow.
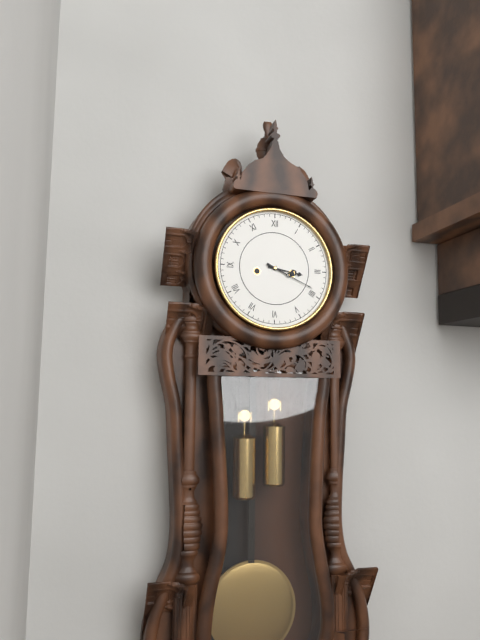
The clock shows **3:19**
